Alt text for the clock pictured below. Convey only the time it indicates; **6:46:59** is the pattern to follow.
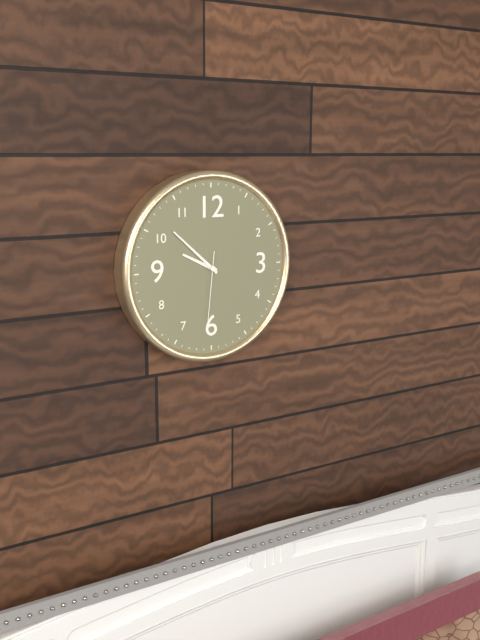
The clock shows **9:52:31**
